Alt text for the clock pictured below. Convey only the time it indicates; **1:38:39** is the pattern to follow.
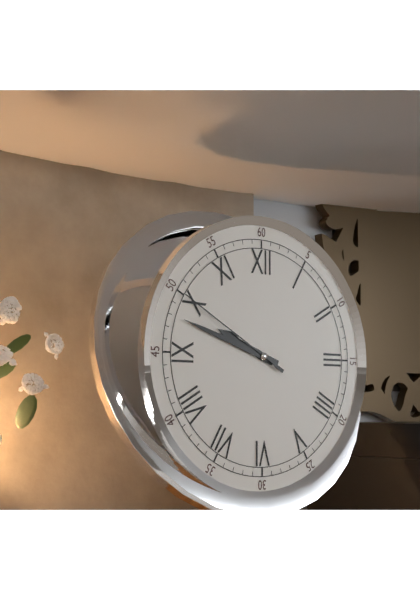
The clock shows **9:48:50**
